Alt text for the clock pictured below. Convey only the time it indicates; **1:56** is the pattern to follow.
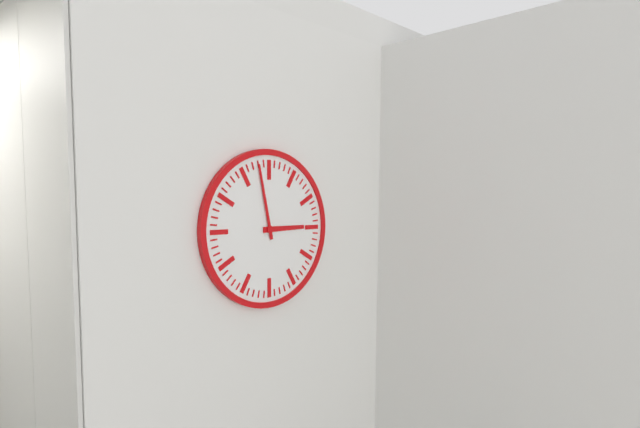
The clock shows **2:58**
